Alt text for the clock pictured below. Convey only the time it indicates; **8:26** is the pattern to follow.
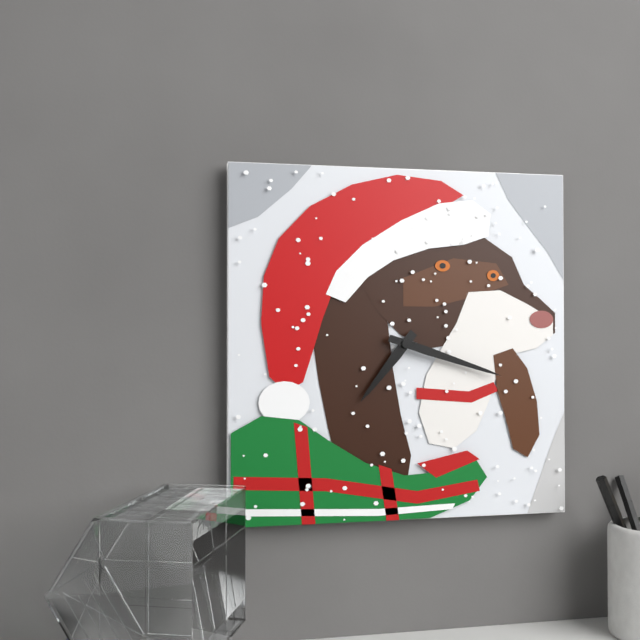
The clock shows **7:18**
